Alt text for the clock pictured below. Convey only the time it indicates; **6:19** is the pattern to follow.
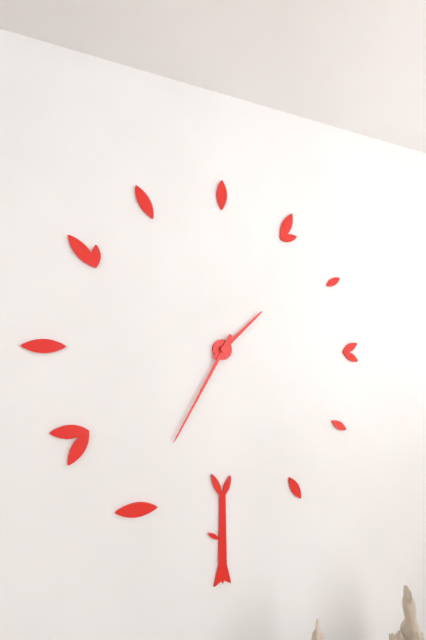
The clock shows **1:35**
